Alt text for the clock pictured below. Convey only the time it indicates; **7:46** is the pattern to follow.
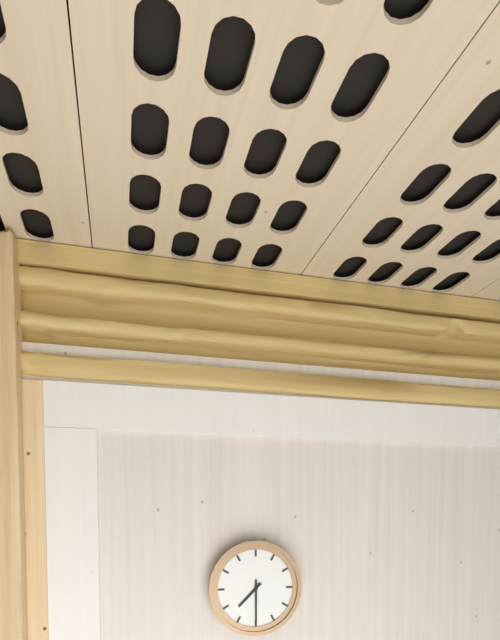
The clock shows **7:30**
